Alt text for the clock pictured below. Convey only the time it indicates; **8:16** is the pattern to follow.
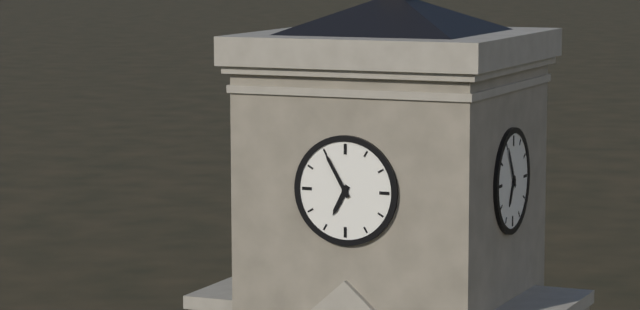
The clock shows **6:55**
